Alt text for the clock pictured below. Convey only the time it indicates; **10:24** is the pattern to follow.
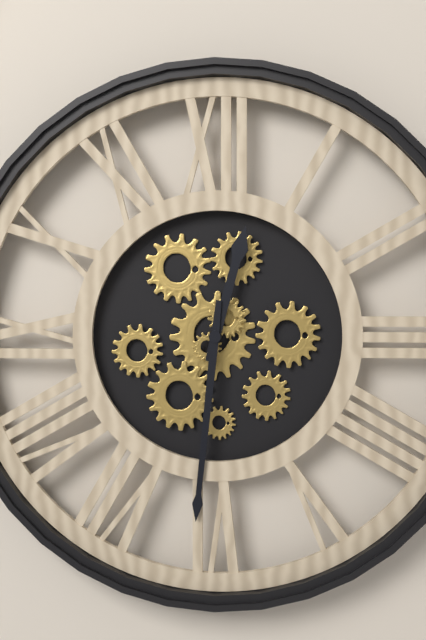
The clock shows **12:31**
